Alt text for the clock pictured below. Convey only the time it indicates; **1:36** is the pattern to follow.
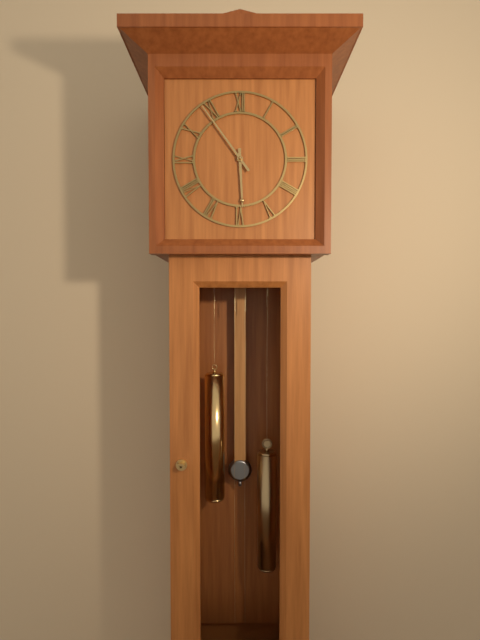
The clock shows **5:54**
